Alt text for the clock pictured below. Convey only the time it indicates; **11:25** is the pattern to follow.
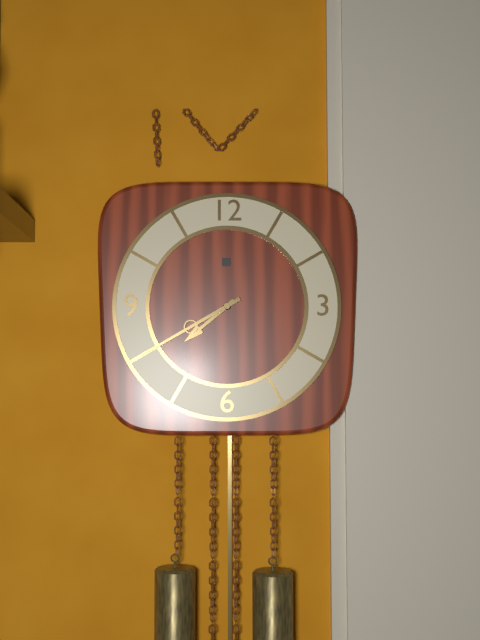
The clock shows **7:40**
